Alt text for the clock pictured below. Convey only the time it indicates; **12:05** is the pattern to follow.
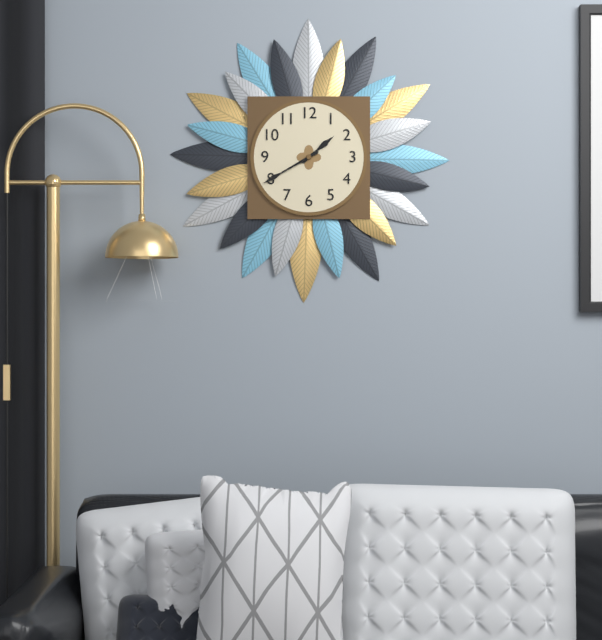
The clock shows **1:40**
